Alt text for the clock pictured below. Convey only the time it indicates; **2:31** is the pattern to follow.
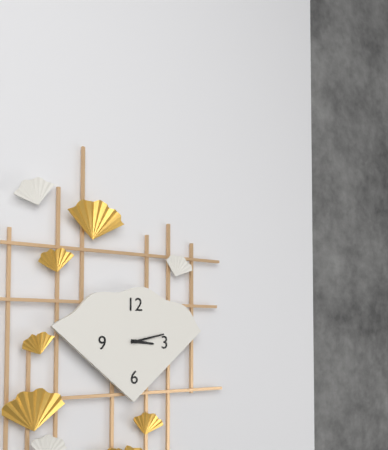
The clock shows **3:13**
